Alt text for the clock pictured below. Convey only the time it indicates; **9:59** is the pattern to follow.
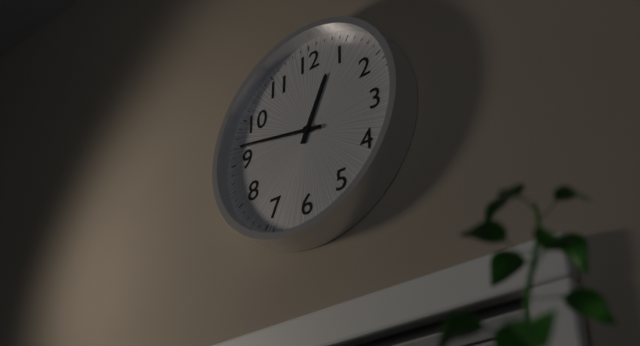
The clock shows **12:47**
